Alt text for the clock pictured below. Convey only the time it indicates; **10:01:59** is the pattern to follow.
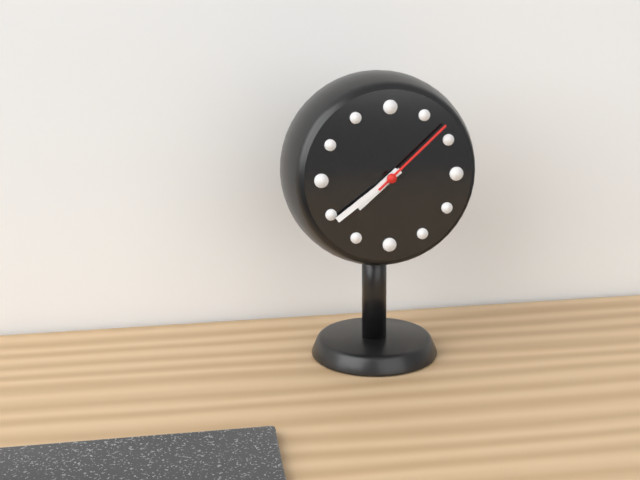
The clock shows **7:39:08**
